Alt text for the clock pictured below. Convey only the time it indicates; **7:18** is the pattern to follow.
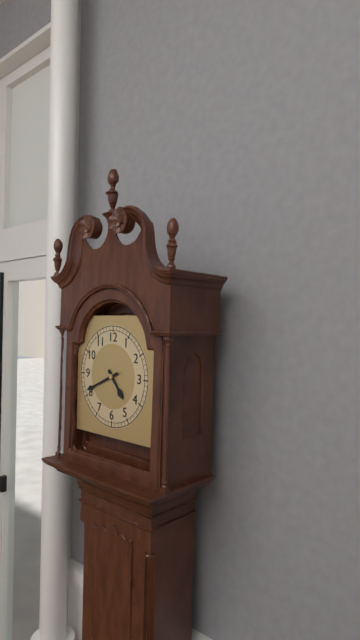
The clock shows **4:41**
